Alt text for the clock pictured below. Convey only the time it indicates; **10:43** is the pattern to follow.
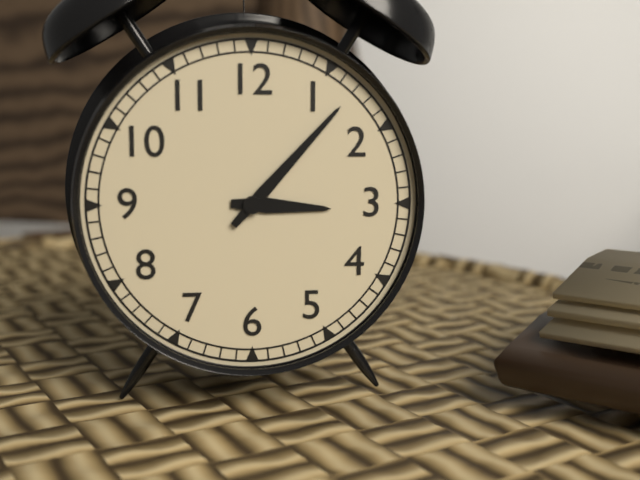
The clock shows **3:07**
